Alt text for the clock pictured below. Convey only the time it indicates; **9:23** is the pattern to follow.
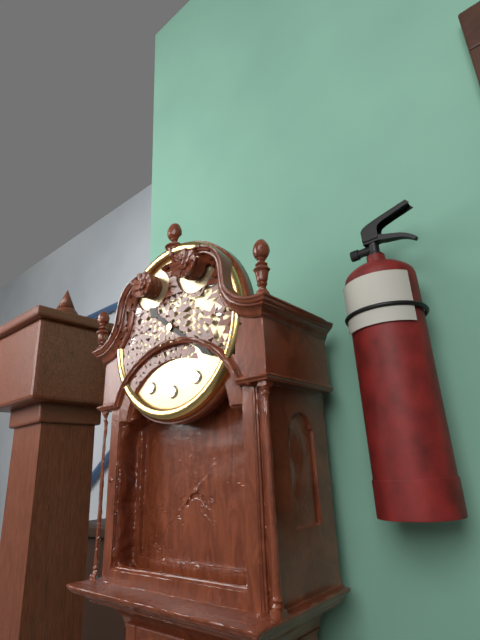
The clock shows **10:21**
